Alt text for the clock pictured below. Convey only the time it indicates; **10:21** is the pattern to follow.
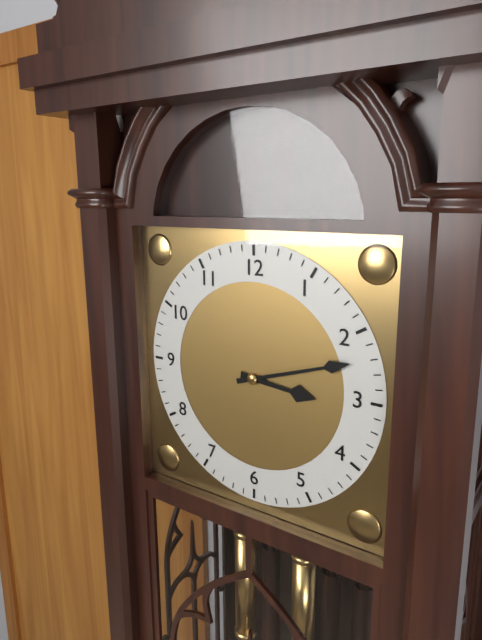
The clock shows **3:12**
